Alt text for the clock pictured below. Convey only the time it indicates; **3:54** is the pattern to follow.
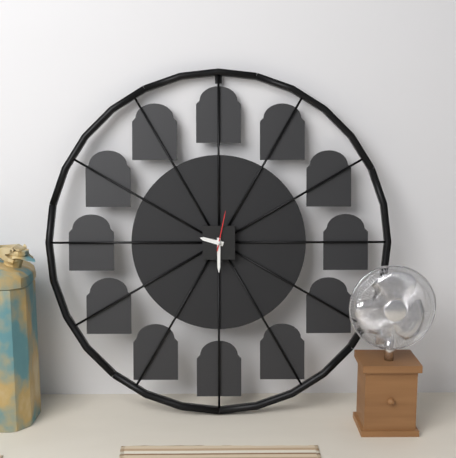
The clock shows **9:30**
